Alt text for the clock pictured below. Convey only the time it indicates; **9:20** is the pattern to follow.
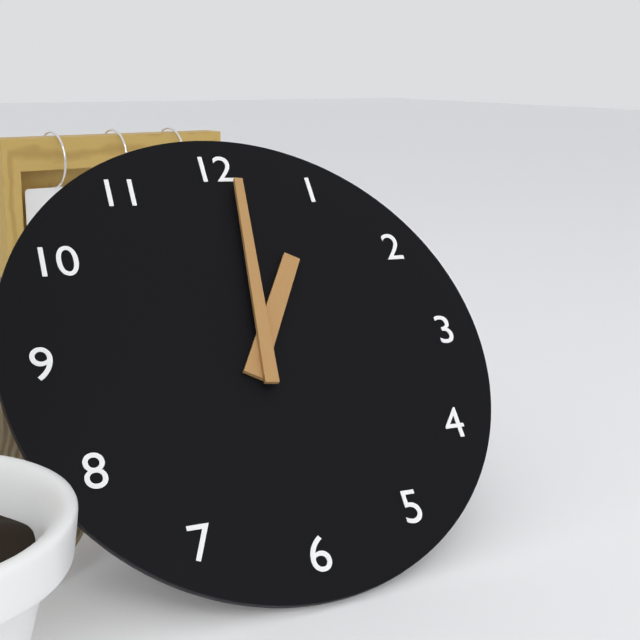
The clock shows **1:01**
